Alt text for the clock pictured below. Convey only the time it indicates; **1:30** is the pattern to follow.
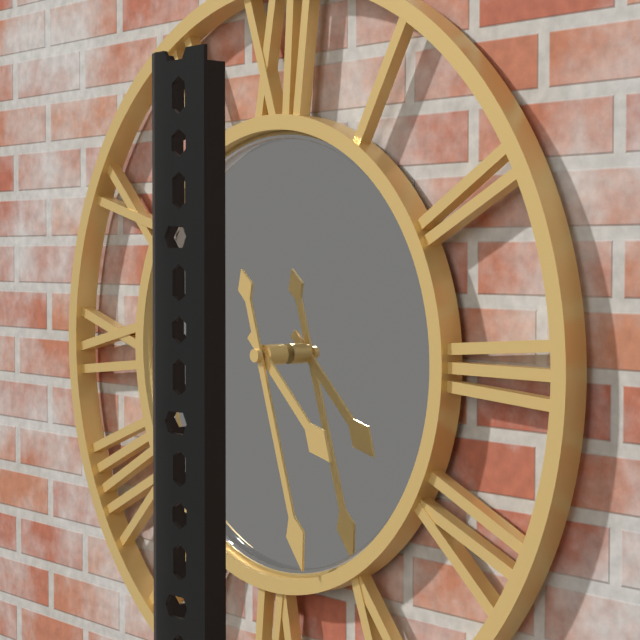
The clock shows **4:27**
